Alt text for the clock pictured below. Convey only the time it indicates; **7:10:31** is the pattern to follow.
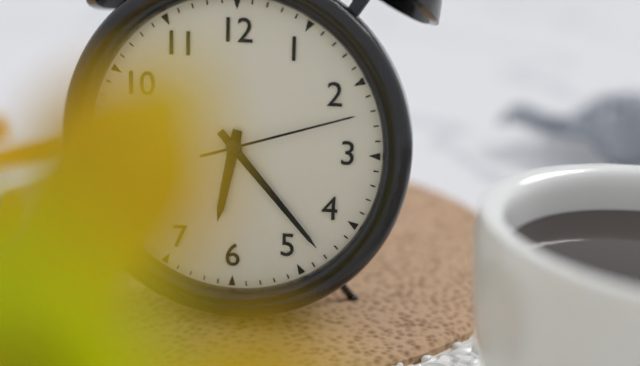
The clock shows **6:23:12**
